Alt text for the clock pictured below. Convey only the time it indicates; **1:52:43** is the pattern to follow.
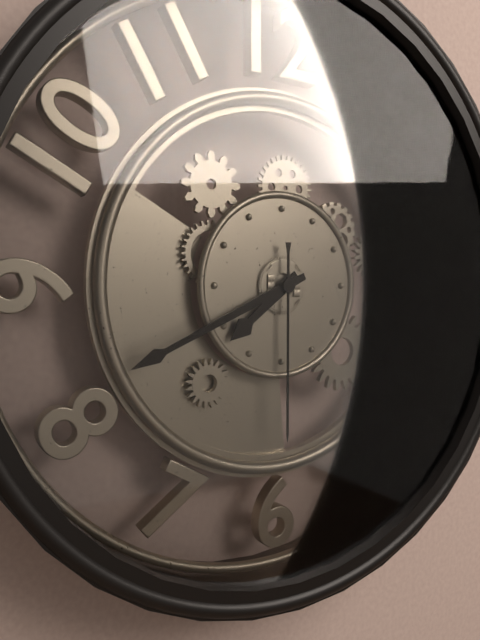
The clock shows **7:41:30**
